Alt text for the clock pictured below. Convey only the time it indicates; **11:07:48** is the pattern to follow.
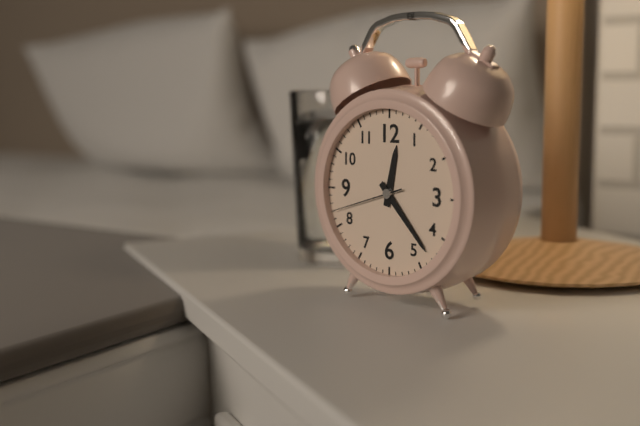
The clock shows **12:23:42**
